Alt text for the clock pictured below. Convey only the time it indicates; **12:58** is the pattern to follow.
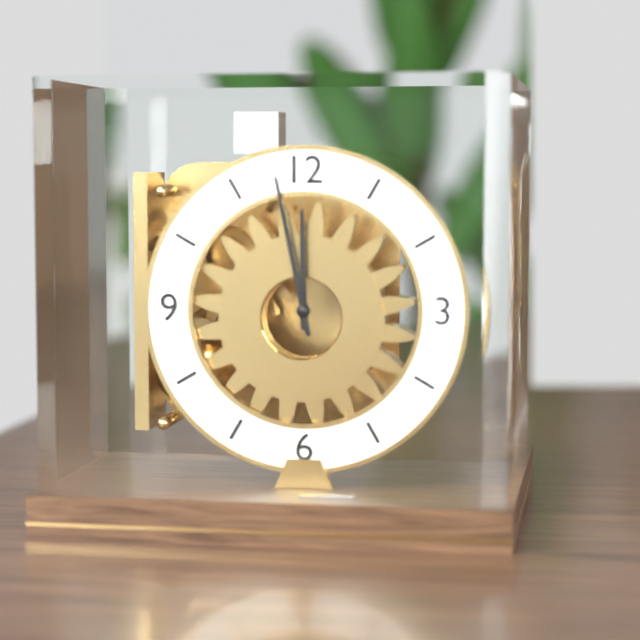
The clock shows **11:58**
